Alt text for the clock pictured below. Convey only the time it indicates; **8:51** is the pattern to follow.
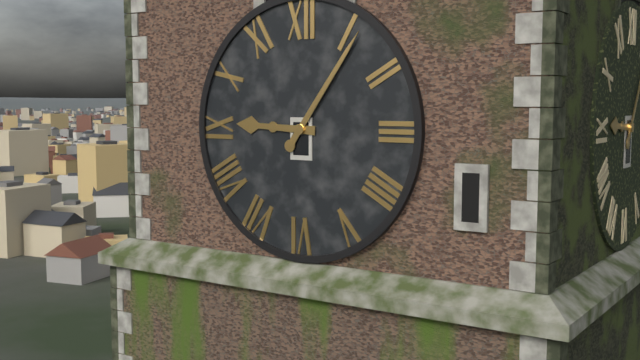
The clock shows **9:06**
